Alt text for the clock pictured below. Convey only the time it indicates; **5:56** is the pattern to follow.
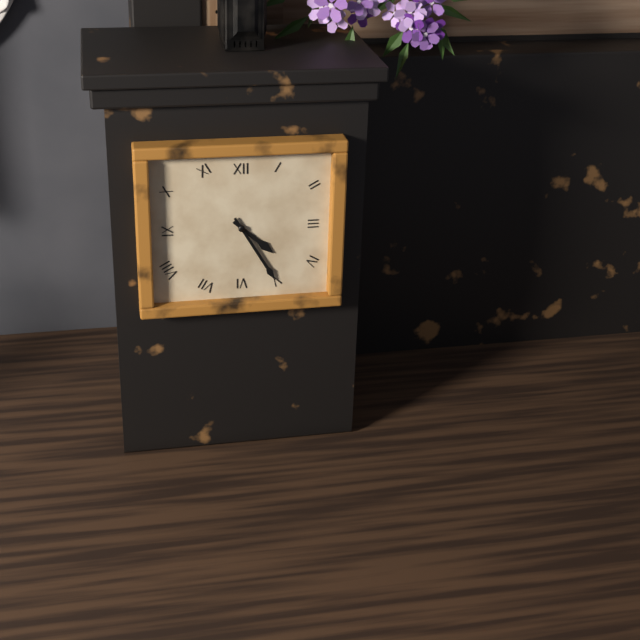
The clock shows **4:25**
